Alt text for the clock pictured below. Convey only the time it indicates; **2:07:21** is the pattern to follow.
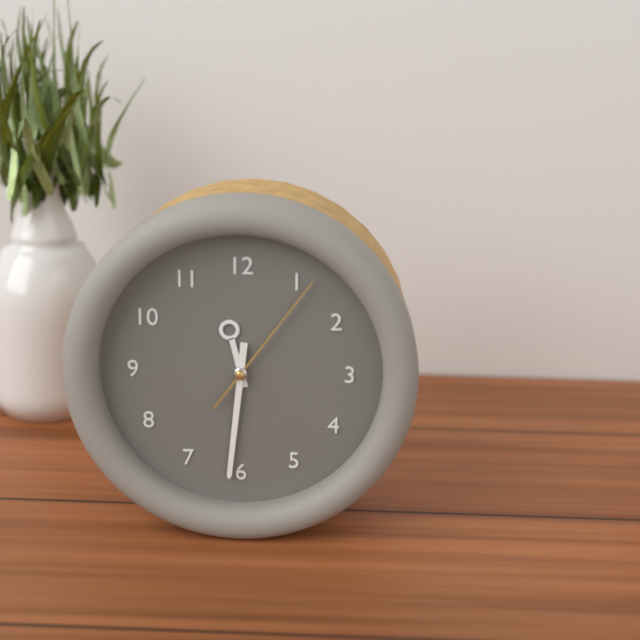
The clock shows **11:31:06**
